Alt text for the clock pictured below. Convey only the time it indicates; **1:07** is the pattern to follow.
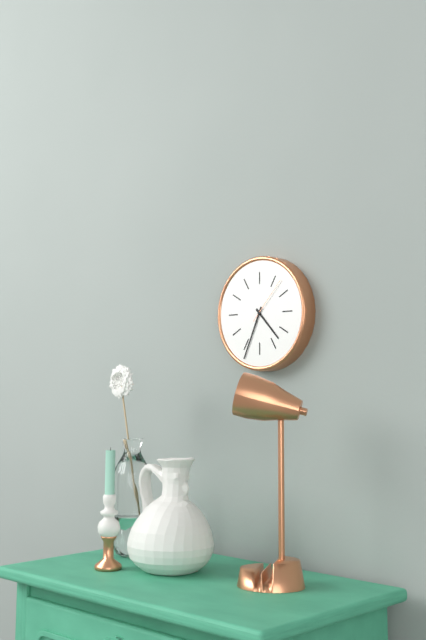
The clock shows **4:34**
